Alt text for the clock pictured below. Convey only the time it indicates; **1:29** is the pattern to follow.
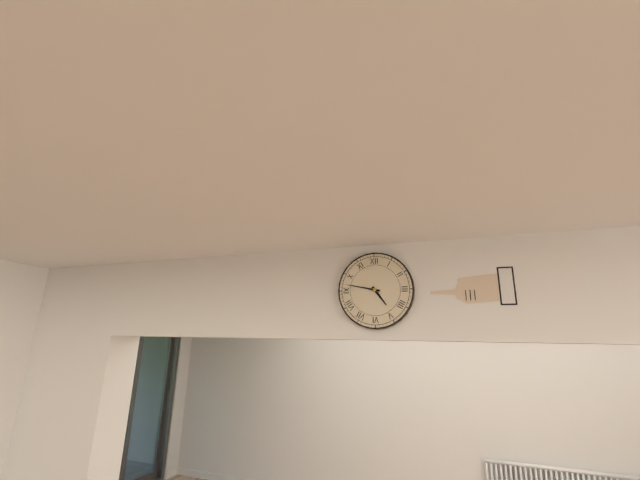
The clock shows **4:47**
